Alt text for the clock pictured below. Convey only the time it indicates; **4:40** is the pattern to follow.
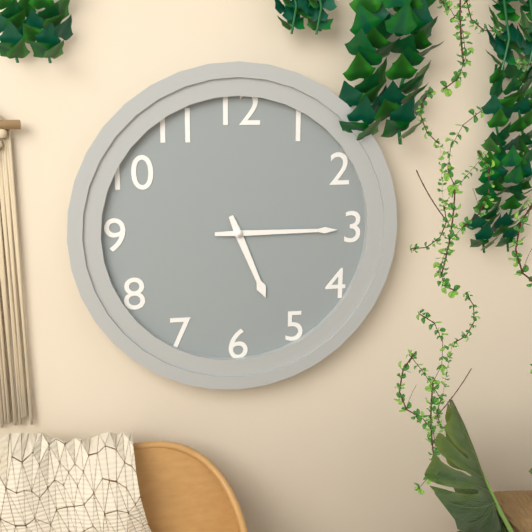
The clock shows **5:15**
